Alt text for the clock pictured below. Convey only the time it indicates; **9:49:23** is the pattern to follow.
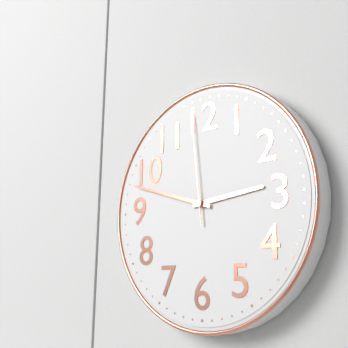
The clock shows **2:48:59**
